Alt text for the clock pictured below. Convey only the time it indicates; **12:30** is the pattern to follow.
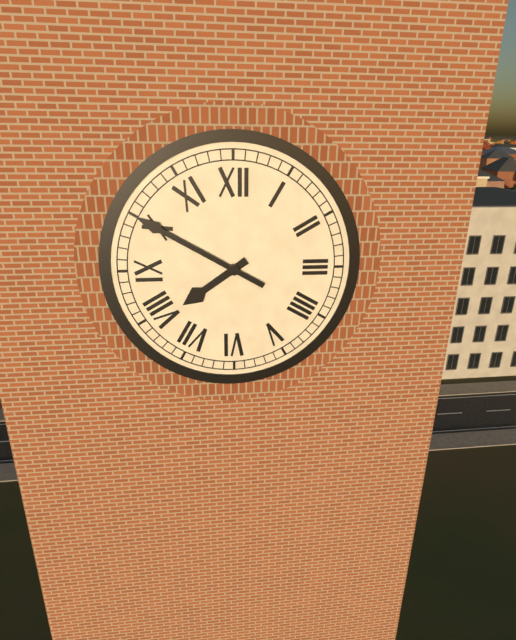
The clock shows **7:50**
